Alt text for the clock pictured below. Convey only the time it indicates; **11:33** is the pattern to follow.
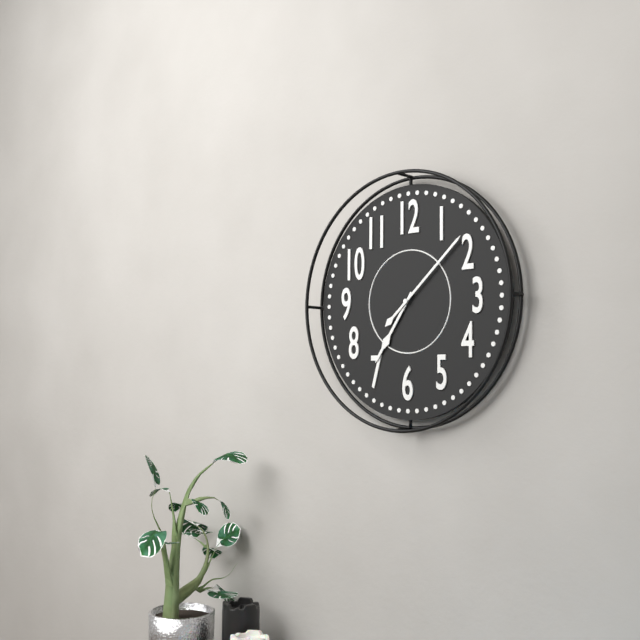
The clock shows **7:08**
